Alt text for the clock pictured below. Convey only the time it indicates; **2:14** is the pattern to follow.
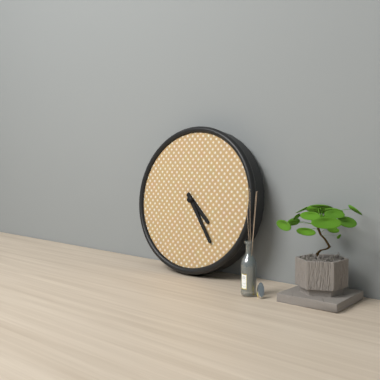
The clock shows **4:24**
